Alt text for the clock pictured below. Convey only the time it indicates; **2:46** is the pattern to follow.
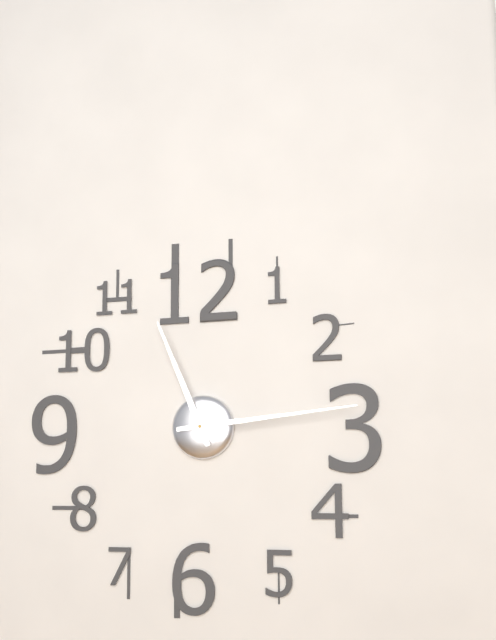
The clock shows **11:14**
